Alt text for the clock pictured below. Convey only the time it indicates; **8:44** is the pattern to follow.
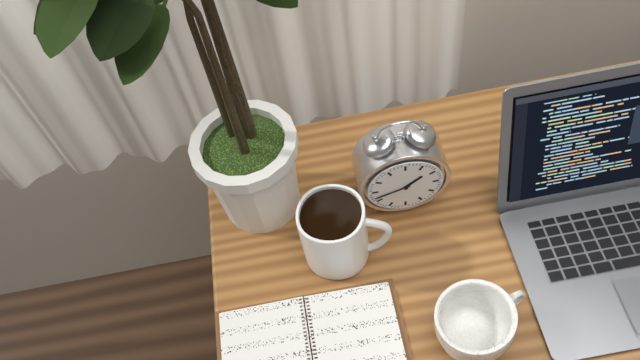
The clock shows **1:42**
